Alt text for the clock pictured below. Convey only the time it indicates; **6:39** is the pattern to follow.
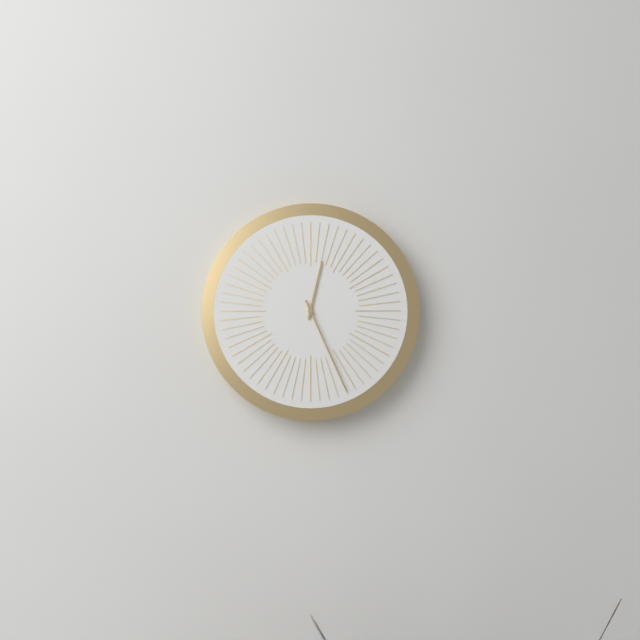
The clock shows **12:26**
